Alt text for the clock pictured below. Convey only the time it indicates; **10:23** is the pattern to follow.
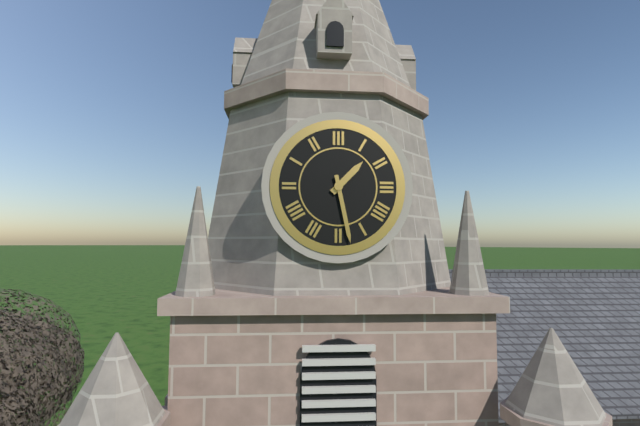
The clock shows **1:28**
